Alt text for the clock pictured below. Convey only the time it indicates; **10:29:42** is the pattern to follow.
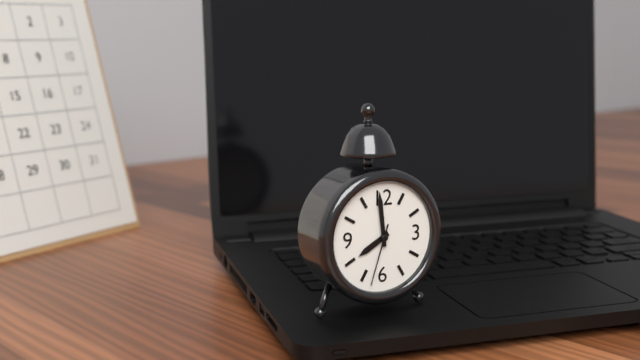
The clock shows **7:59:33**
